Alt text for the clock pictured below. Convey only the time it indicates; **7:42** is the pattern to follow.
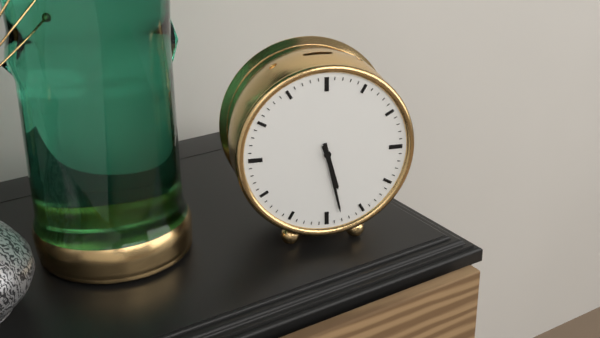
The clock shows **5:28**
